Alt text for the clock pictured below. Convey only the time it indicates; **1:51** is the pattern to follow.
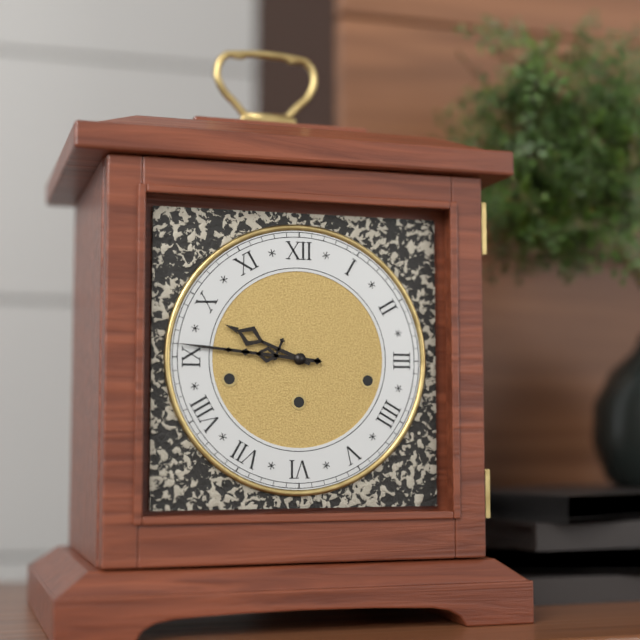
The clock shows **9:46**
